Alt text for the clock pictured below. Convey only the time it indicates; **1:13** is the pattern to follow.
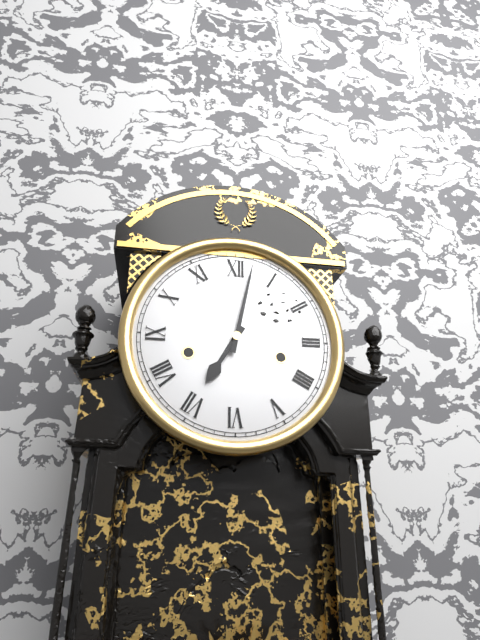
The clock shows **7:02**
